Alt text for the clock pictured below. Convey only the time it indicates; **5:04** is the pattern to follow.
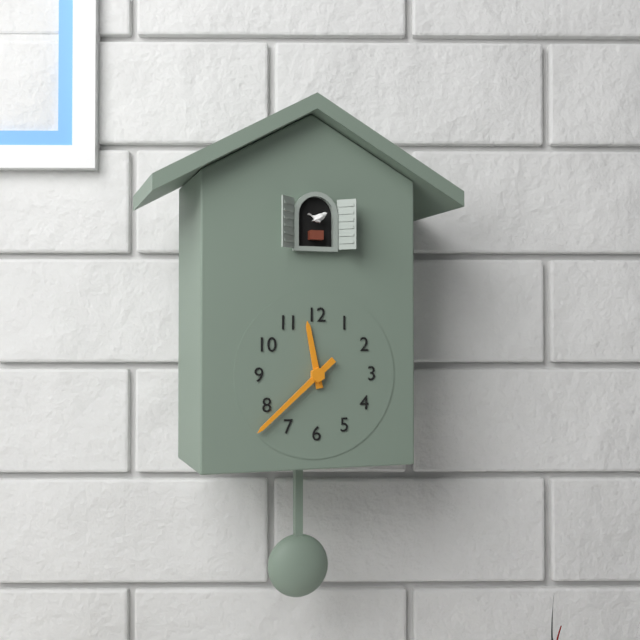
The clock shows **11:38**
